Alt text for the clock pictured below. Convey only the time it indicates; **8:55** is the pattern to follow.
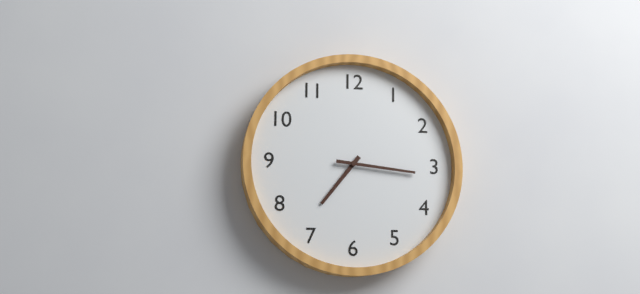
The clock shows **7:16**
